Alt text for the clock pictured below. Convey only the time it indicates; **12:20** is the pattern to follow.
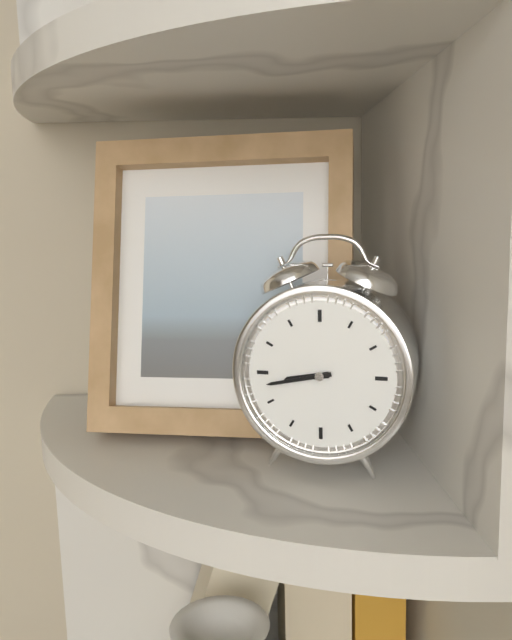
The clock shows **8:43**
